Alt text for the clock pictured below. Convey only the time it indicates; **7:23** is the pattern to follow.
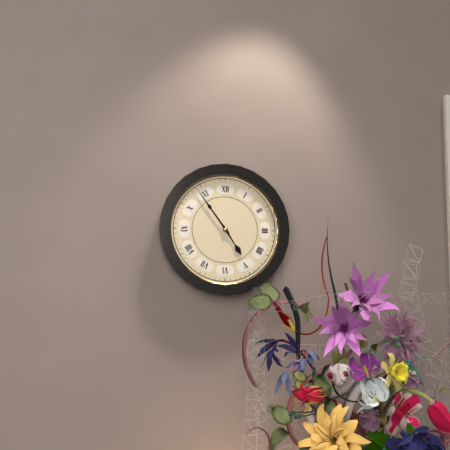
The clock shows **4:54**
